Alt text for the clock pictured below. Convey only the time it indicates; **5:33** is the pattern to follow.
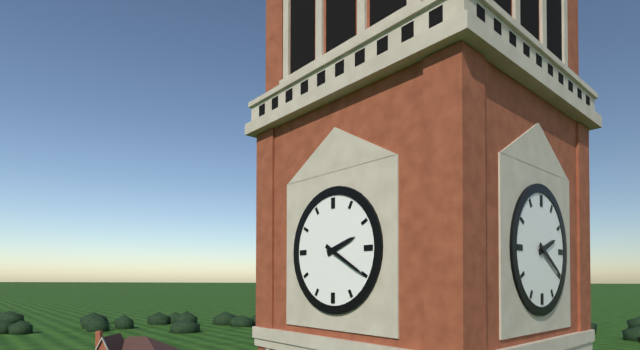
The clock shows **2:20**
